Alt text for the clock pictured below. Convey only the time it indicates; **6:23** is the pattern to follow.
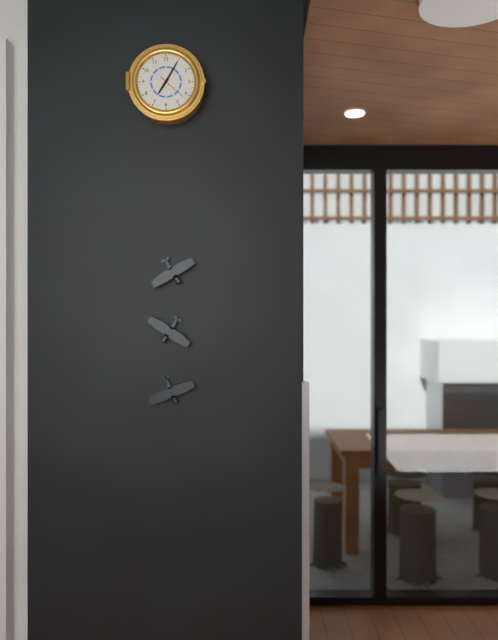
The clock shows **7:05**
